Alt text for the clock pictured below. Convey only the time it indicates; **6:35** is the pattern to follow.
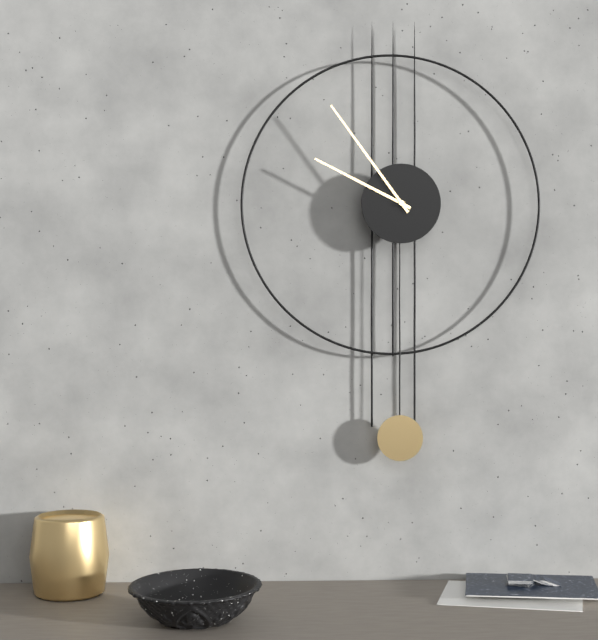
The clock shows **9:54**
